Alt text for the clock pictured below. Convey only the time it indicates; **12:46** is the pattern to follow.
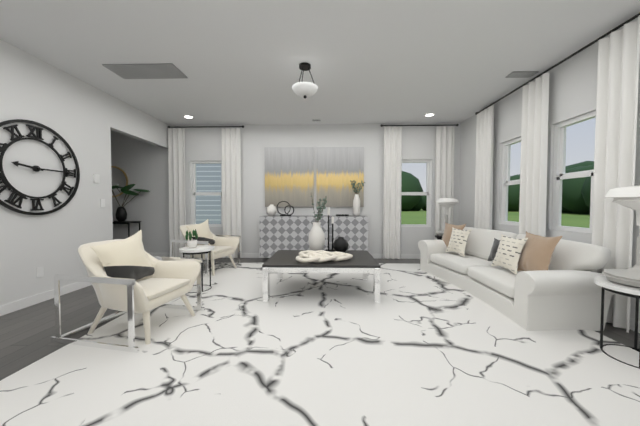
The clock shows **9:15**
